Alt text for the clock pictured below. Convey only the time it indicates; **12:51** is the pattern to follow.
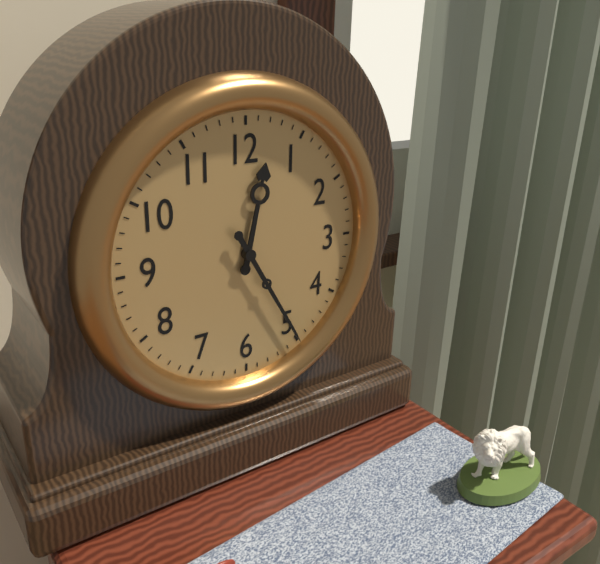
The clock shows **12:25**
